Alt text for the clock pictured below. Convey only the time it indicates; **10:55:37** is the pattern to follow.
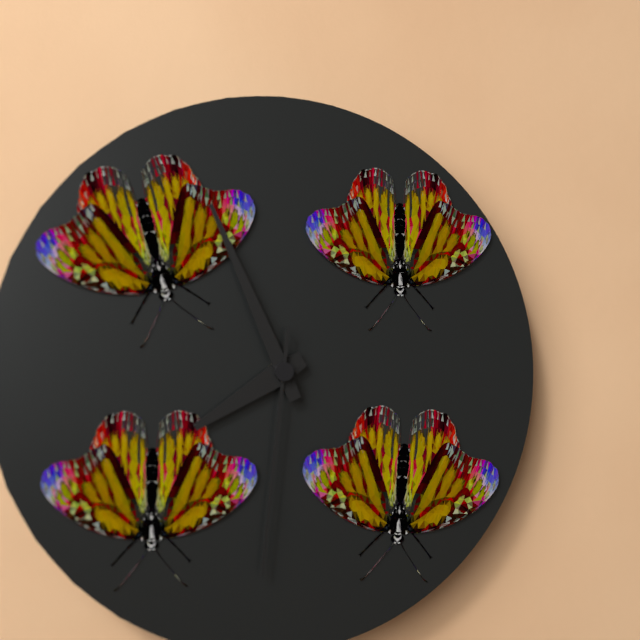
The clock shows **7:56:31**
